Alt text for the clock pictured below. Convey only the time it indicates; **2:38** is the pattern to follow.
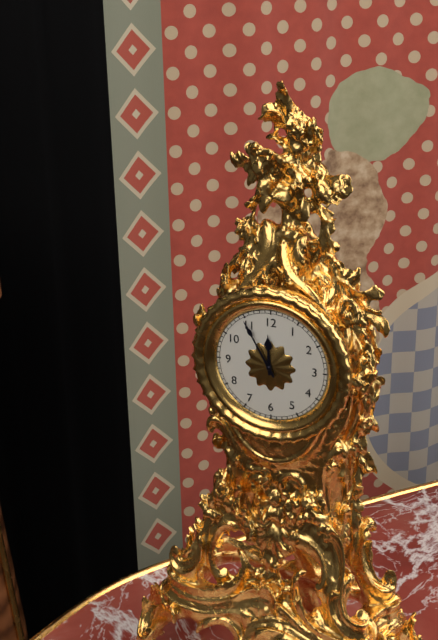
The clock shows **11:55**
